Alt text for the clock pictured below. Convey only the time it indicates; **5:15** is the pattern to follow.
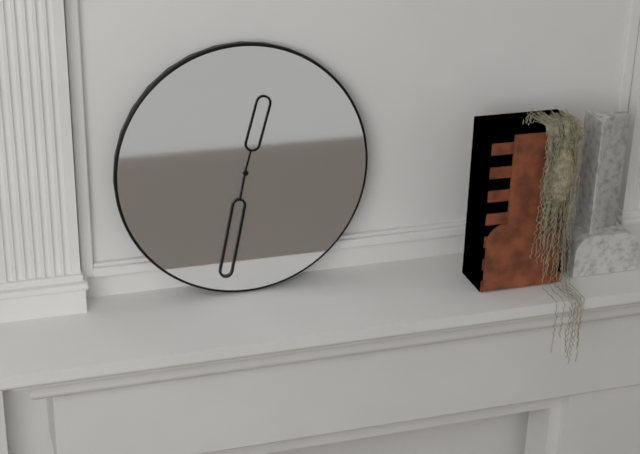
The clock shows **12:32**
